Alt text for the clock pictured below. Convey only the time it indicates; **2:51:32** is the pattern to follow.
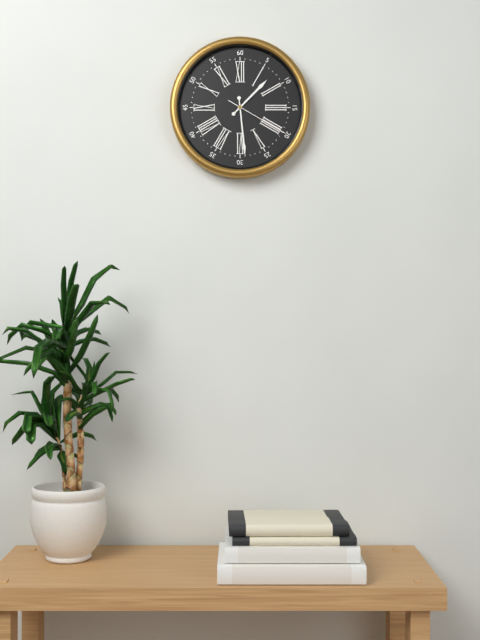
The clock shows **1:29:20**
